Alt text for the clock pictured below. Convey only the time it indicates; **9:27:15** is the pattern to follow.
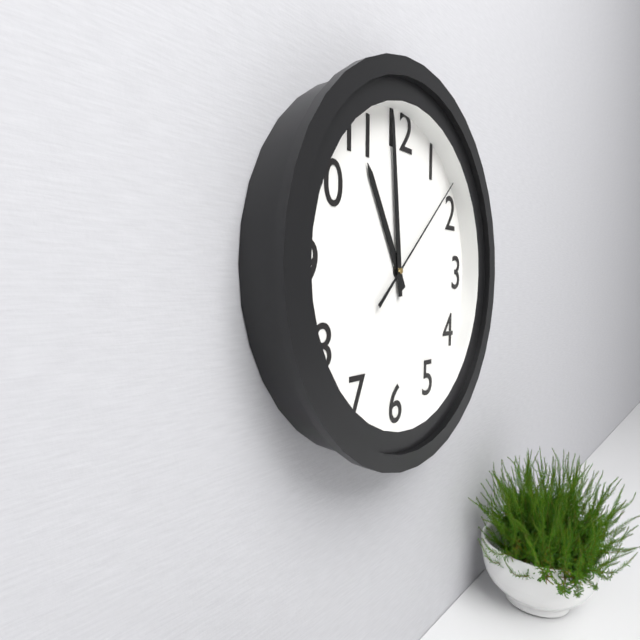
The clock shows **10:59:08**
